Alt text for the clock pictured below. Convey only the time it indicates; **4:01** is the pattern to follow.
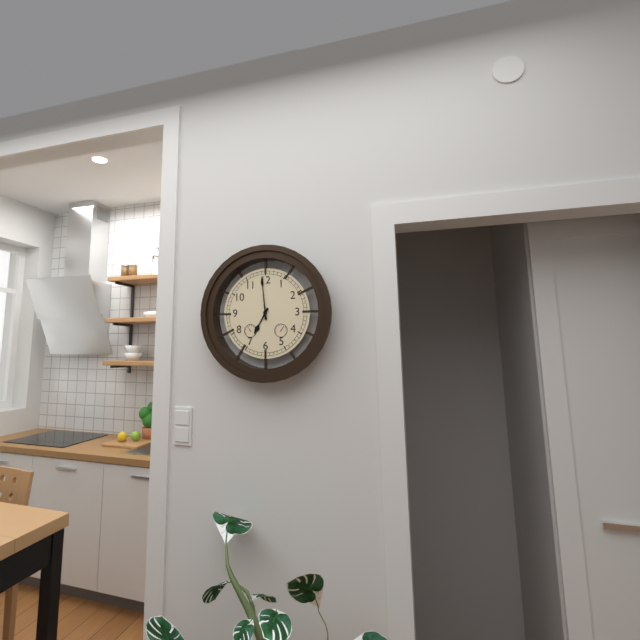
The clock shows **6:59**
